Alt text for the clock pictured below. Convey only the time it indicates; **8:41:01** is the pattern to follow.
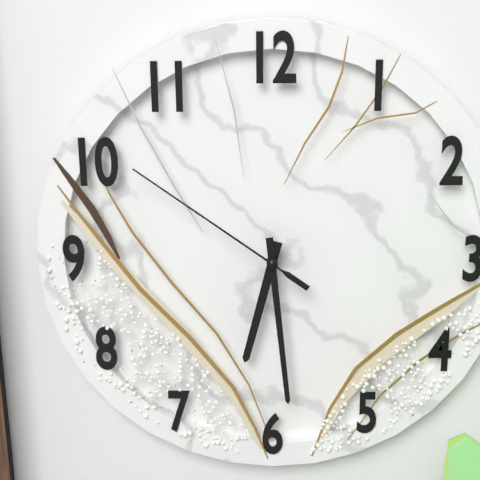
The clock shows **6:29:51**
